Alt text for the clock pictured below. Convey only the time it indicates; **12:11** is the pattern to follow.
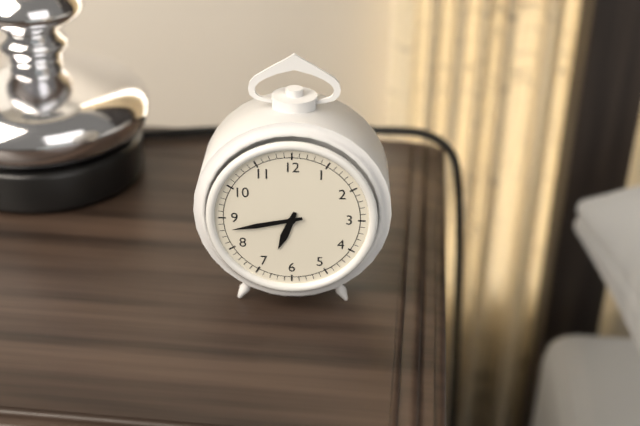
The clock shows **6:43**
